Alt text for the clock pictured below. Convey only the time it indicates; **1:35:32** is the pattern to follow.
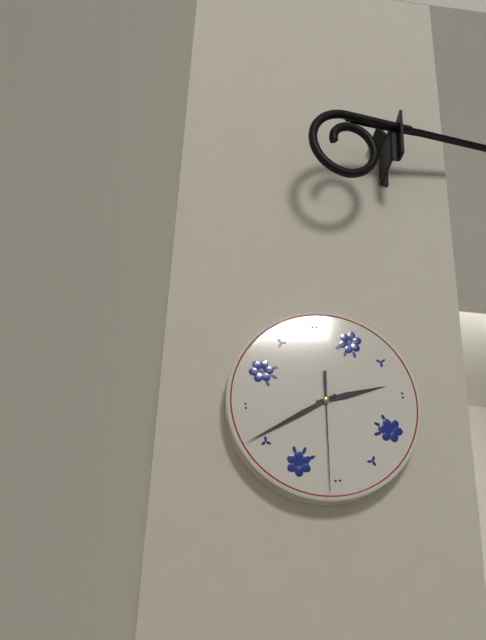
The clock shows **2:41:31**
